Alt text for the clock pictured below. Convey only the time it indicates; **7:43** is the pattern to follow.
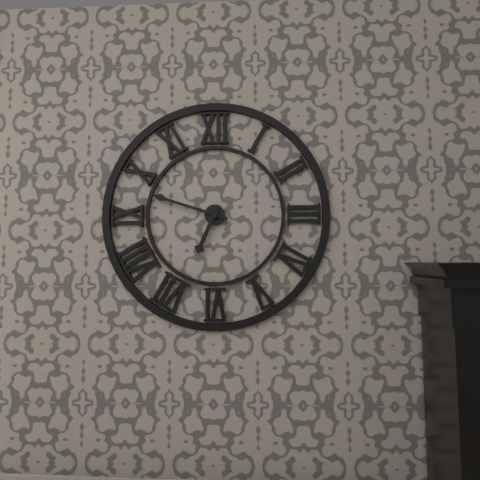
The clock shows **6:48**
